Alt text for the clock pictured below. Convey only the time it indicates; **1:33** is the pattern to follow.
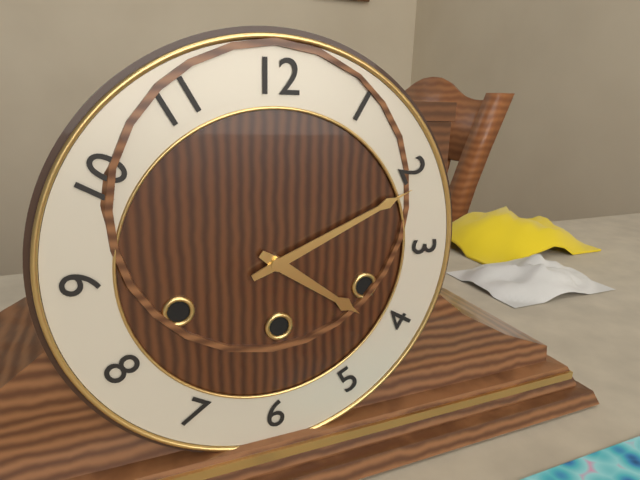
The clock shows **4:11**
